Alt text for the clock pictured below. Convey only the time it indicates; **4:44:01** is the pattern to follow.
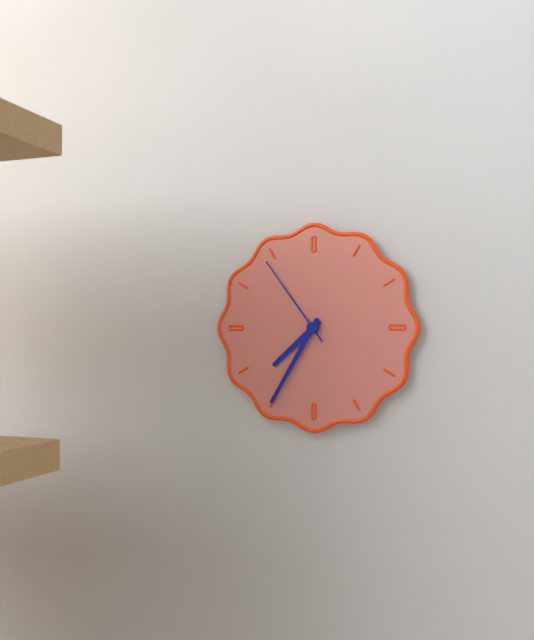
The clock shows **7:35:54**
